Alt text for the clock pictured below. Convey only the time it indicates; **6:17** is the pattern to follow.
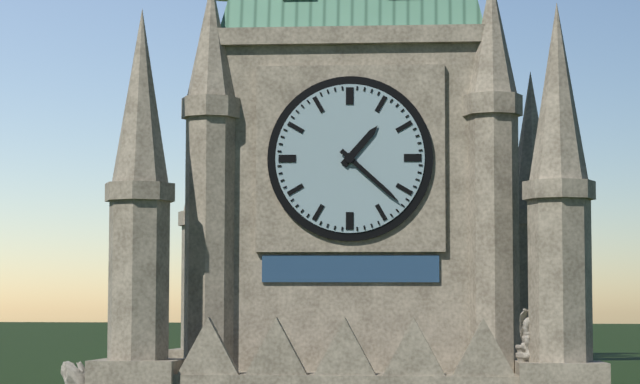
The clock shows **1:22**
